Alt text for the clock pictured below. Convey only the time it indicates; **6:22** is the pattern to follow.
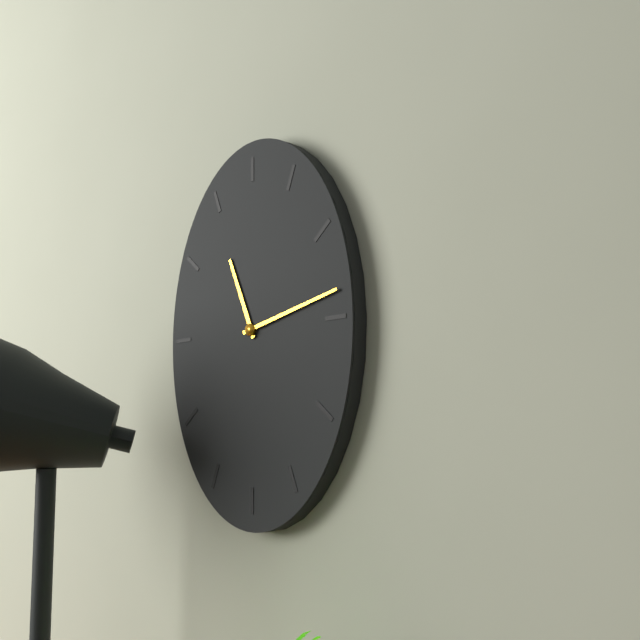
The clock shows **11:13**
